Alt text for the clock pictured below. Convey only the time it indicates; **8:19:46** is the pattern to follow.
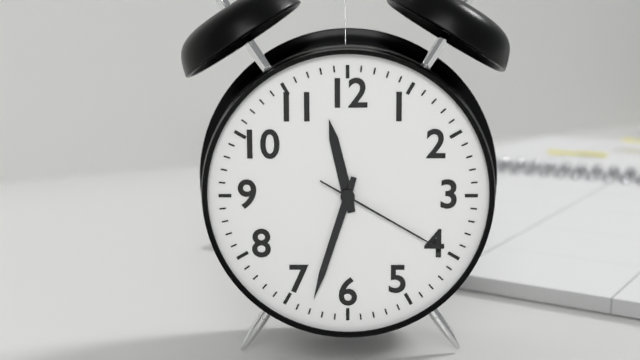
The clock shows **11:33:20**
